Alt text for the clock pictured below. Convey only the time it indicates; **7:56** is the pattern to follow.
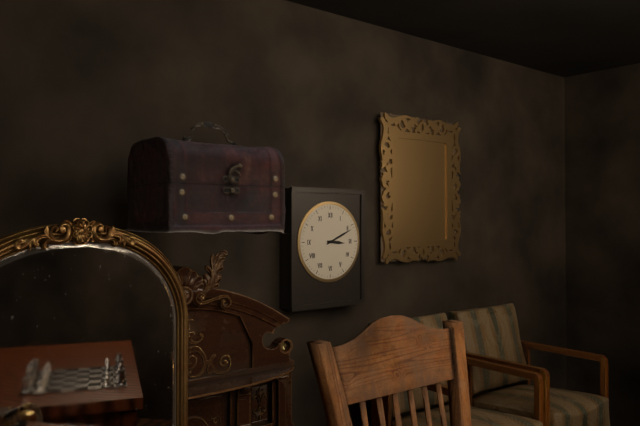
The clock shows **3:11**
